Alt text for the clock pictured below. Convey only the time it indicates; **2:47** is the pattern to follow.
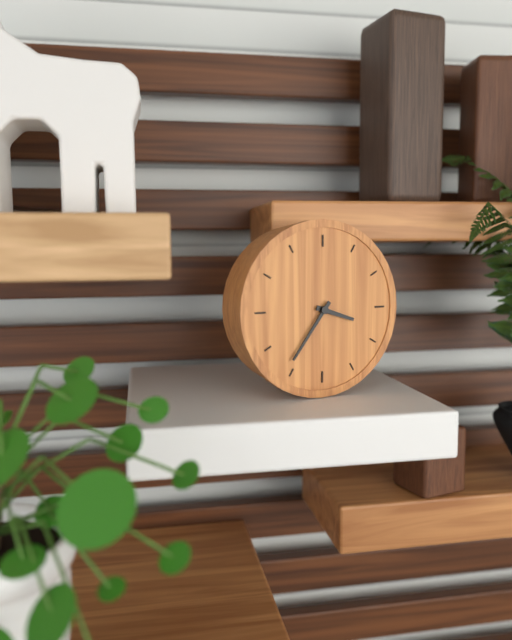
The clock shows **3:36**
